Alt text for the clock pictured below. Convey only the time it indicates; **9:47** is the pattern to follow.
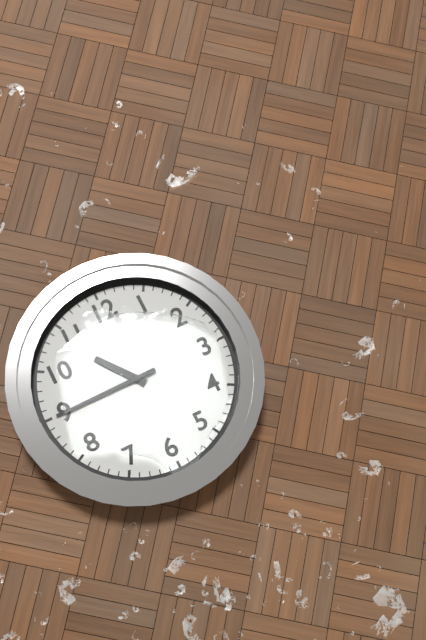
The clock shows **10:45**
